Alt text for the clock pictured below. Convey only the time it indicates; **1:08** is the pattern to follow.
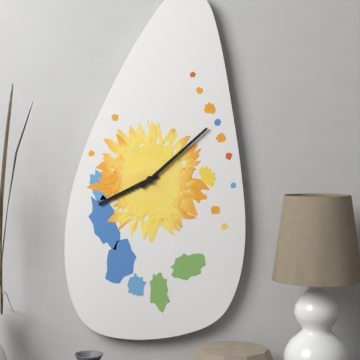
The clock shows **8:08**
